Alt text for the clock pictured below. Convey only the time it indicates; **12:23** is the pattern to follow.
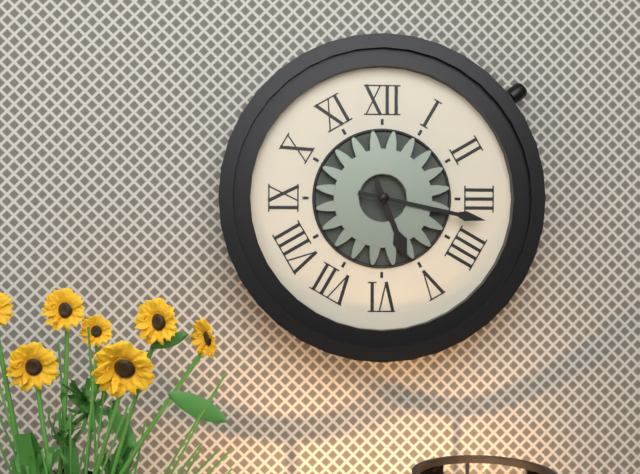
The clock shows **5:17**
